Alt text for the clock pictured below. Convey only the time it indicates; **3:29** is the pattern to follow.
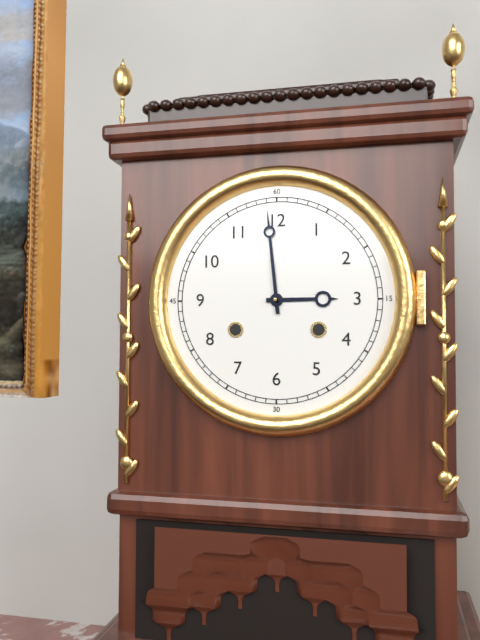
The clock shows **2:59**
